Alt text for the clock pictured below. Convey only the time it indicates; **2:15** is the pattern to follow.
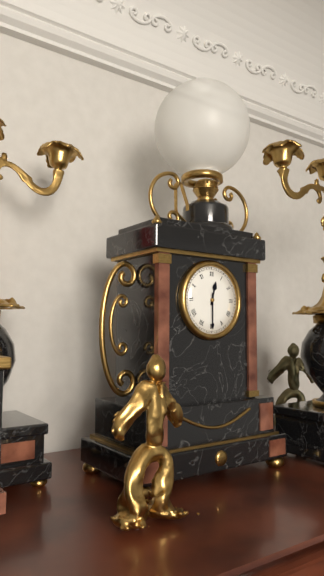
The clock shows **12:30**
